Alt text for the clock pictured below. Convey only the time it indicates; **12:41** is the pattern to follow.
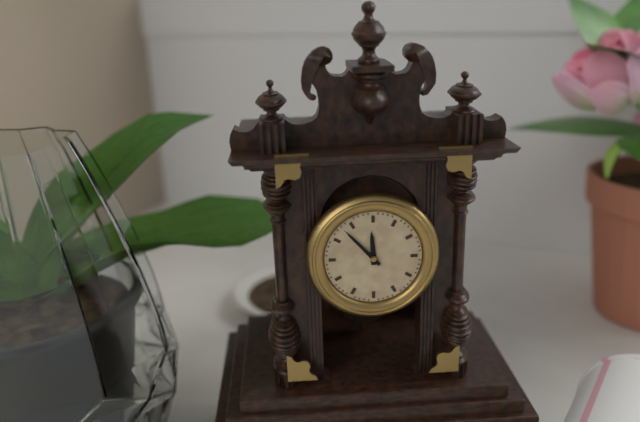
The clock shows **11:53**
